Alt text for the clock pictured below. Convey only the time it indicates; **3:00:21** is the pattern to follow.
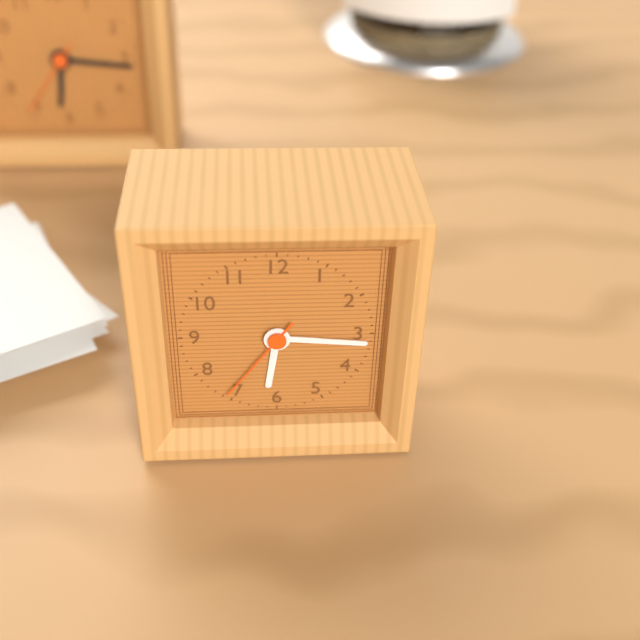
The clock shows **6:16:36**
